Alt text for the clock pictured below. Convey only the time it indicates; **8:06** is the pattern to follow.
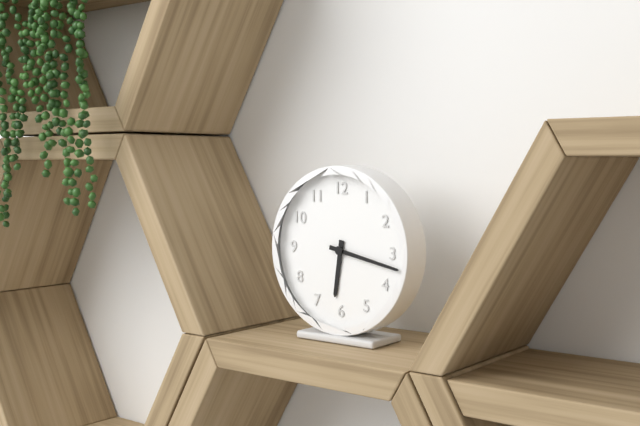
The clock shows **6:17**
